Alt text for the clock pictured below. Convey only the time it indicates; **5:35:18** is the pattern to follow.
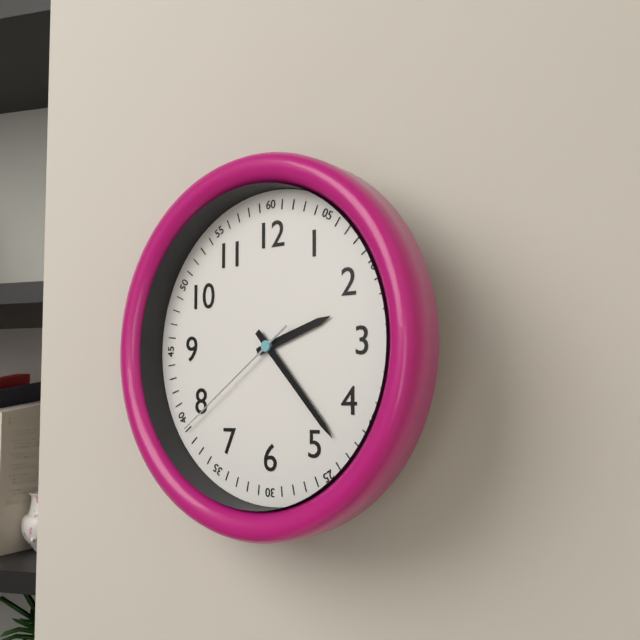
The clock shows **2:23:39**
